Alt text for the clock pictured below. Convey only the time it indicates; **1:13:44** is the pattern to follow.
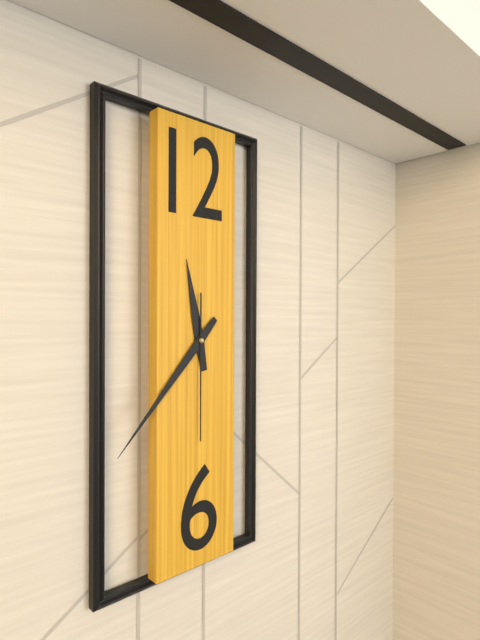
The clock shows **11:37:30**
